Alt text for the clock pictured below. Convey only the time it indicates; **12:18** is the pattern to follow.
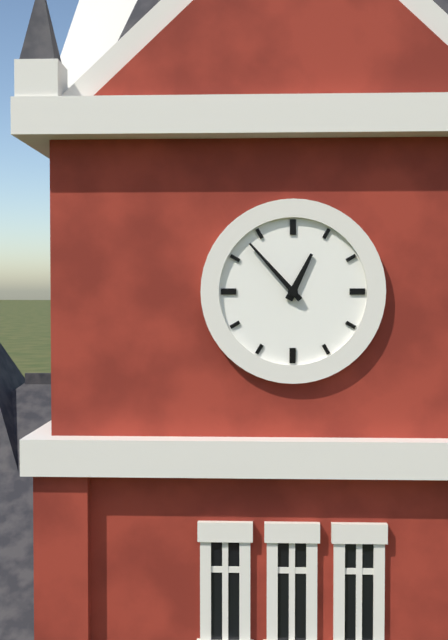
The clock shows **12:53**
